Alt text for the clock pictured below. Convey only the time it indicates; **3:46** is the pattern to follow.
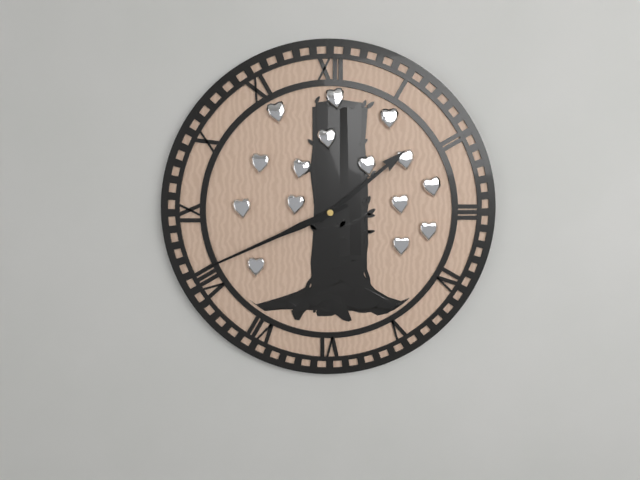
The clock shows **1:41**
